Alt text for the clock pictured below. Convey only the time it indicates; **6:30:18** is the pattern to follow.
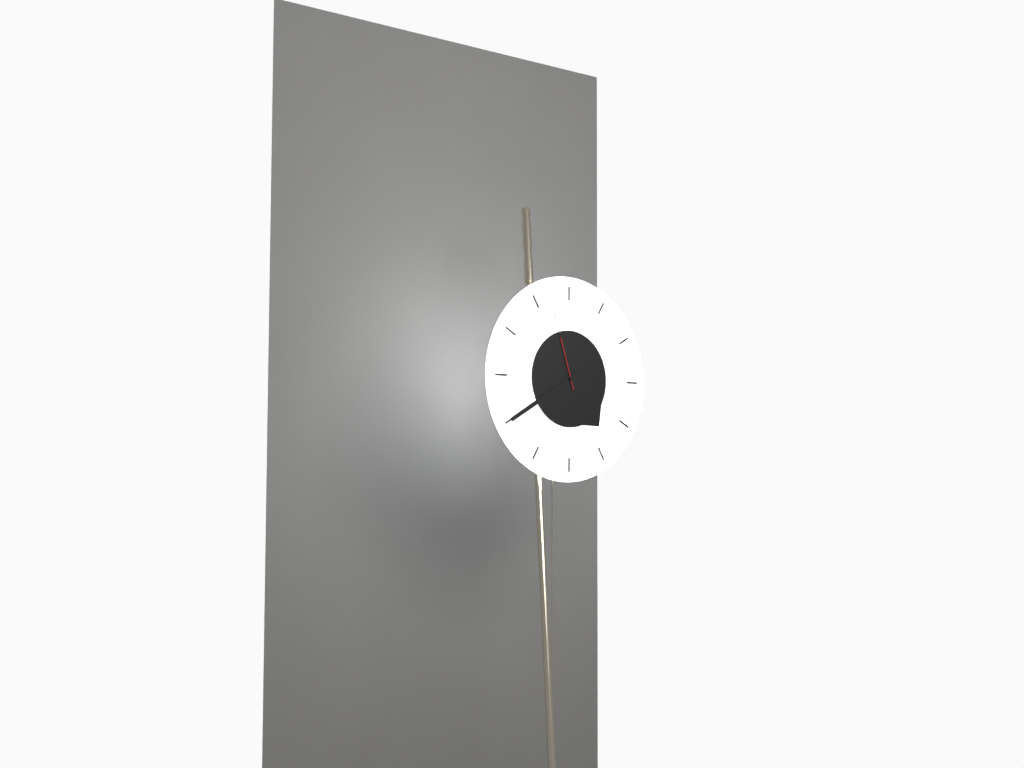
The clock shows **4:40:57**
